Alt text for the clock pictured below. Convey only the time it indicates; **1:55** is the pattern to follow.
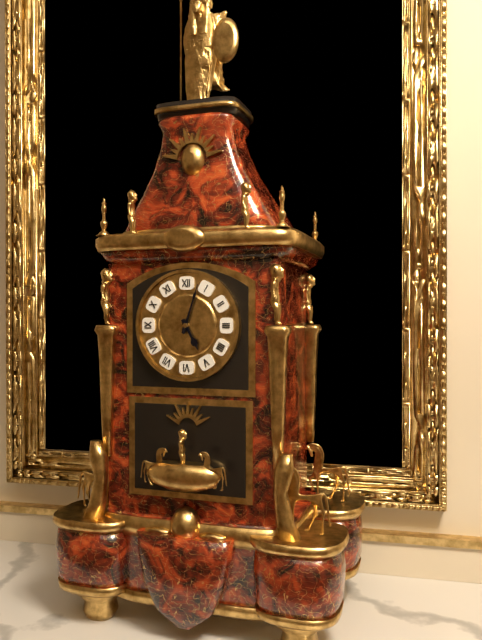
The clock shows **5:03**
